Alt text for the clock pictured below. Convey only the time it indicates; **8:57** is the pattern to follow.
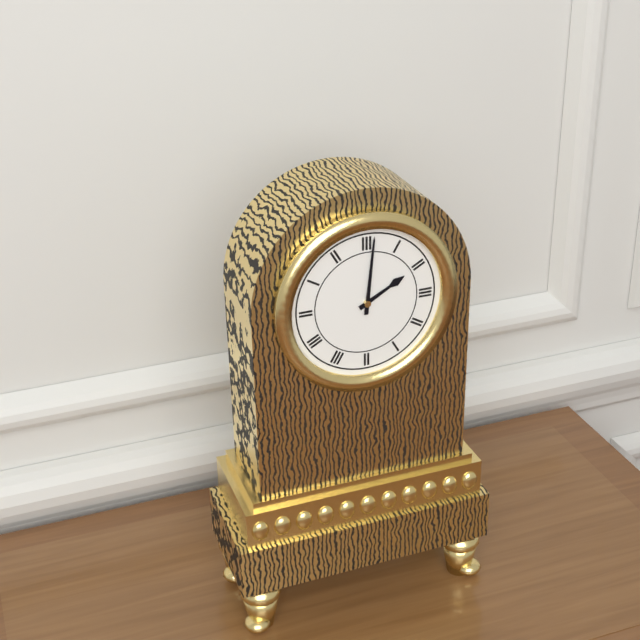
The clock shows **2:01**
